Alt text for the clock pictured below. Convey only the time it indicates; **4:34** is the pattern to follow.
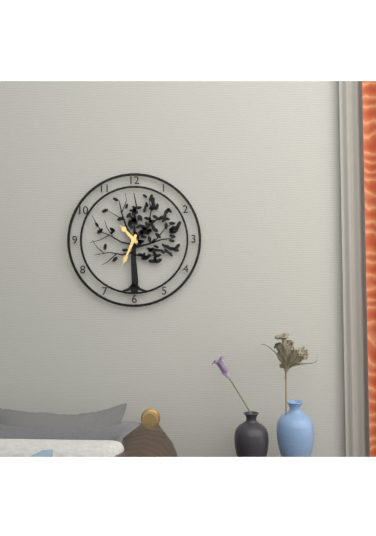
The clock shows **10:34**
